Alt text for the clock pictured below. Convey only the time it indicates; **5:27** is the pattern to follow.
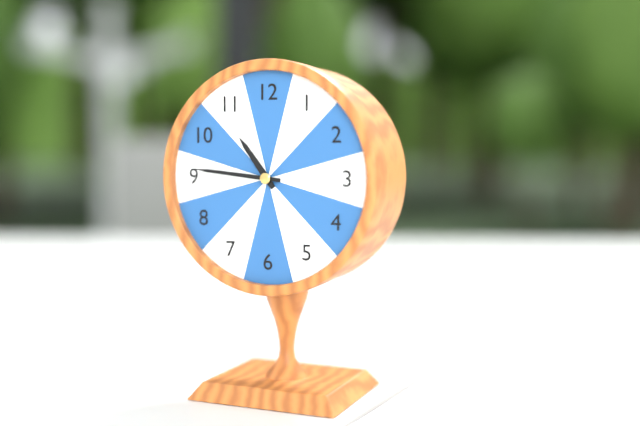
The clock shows **10:46**
